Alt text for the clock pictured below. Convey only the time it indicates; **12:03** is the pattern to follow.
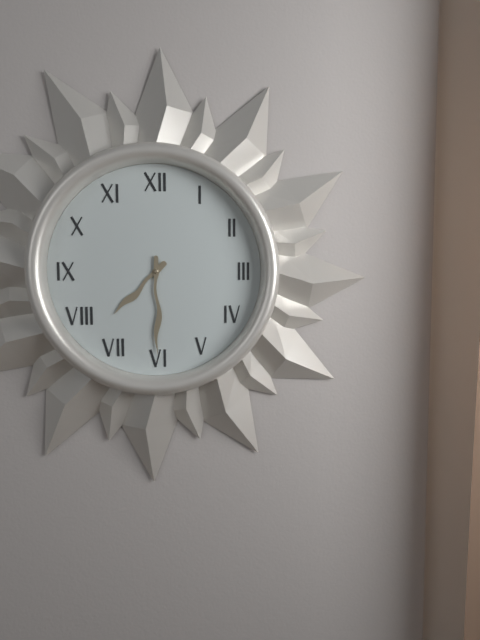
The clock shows **7:30**
